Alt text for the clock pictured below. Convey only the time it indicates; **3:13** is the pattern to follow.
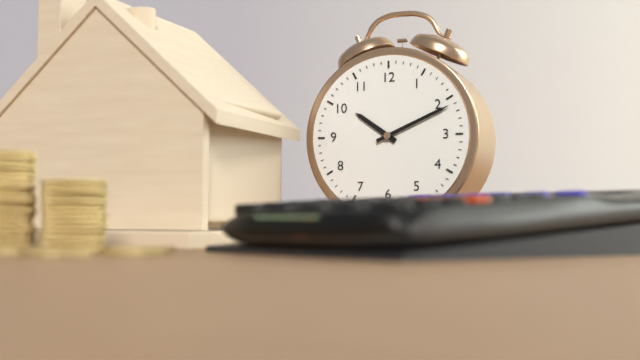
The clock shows **10:11**
